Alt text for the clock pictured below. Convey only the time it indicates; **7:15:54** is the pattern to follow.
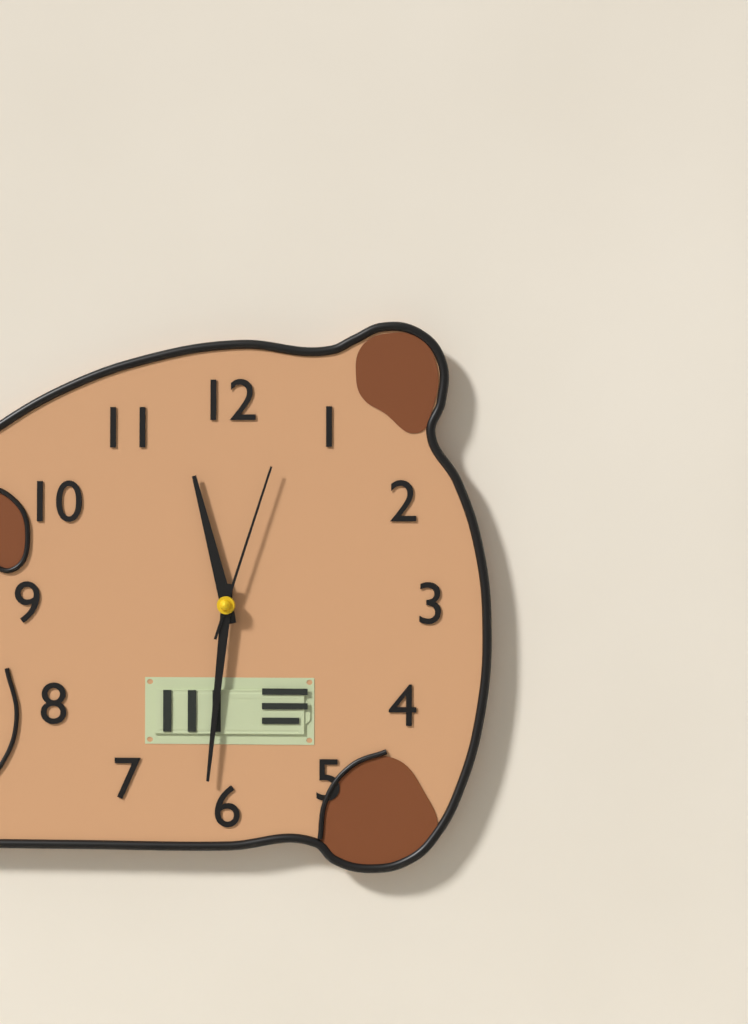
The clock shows **11:31:03**
